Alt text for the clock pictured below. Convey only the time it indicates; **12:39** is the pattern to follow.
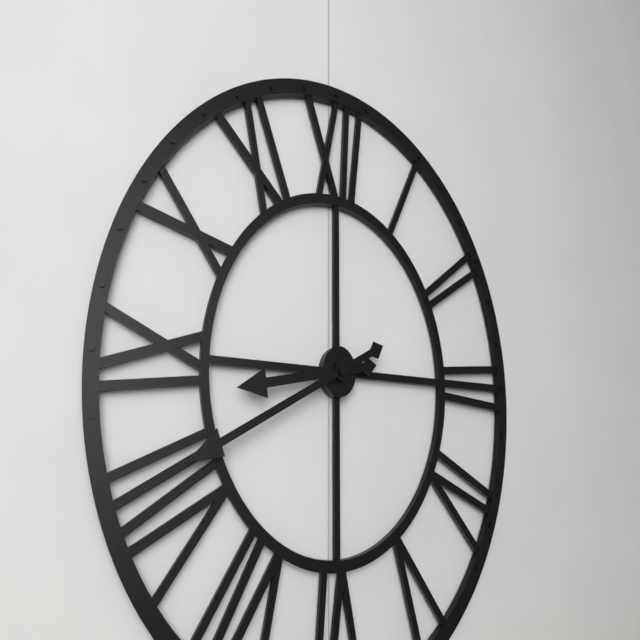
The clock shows **8:41**
